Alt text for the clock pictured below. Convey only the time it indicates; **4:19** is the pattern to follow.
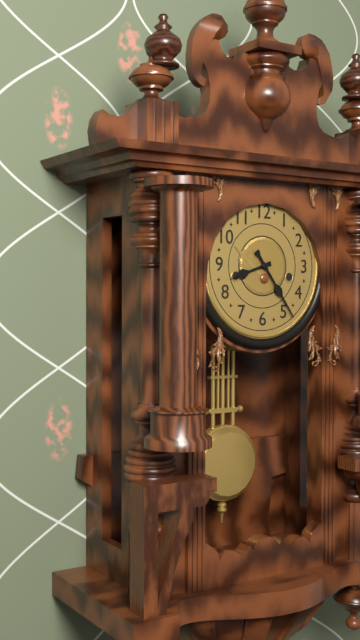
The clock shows **8:24**
